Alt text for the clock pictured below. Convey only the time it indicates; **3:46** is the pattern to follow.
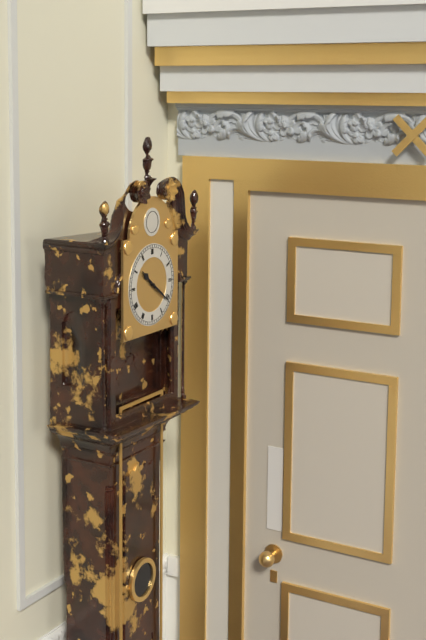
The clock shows **10:21**
